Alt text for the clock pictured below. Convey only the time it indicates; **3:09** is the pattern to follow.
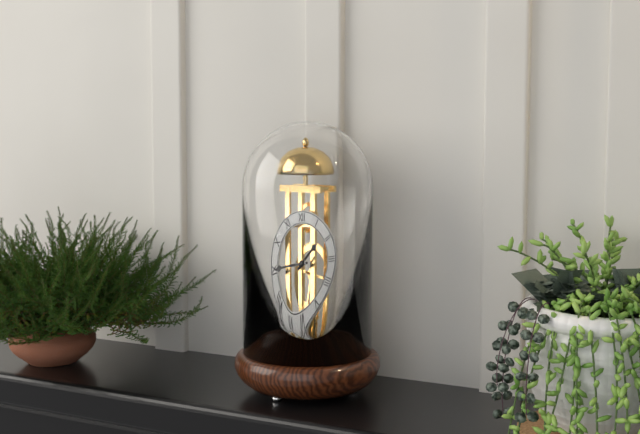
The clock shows **1:45**
